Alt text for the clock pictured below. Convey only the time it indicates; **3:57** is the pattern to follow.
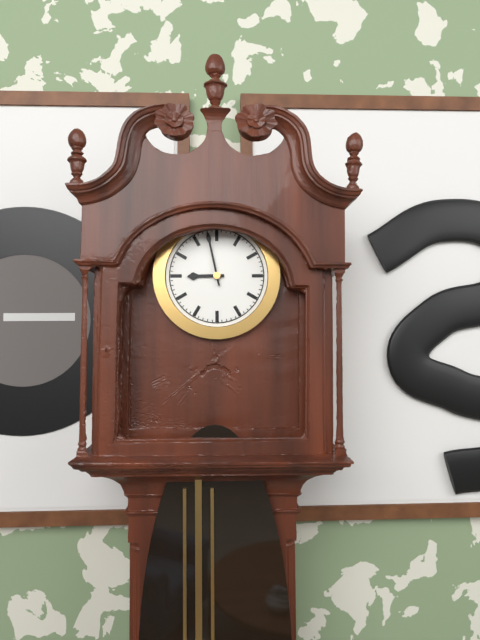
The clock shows **8:58**
